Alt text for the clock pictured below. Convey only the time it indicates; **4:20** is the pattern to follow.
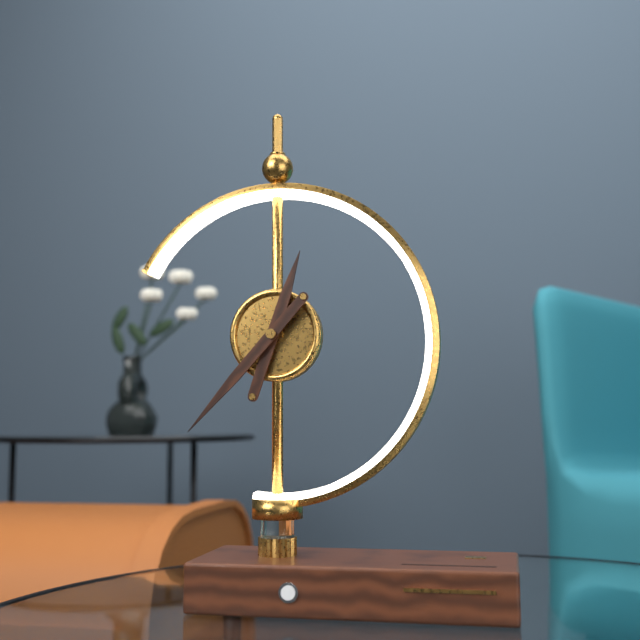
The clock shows **12:37**
